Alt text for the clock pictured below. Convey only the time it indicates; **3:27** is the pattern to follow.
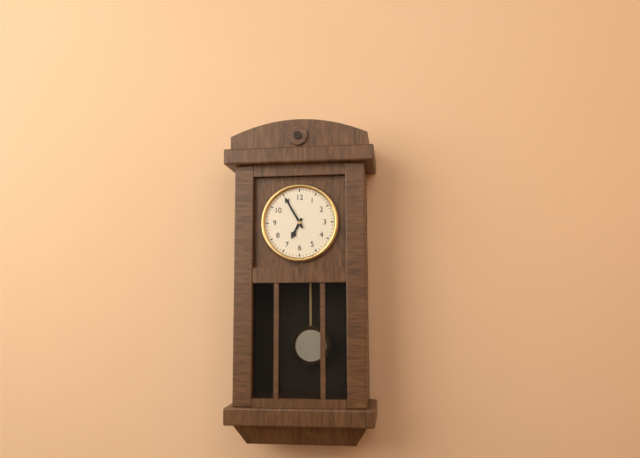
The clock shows **6:55**
